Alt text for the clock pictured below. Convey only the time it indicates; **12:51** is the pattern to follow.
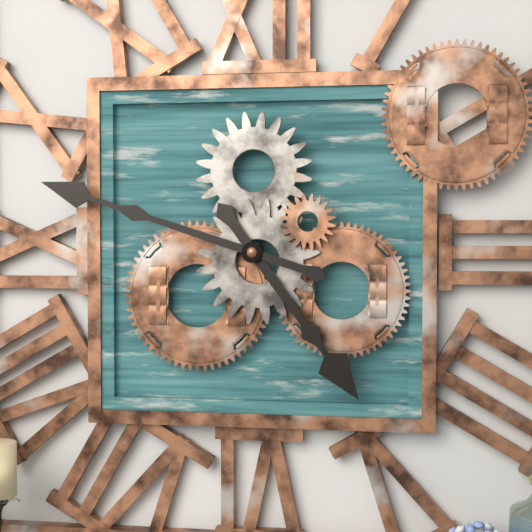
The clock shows **4:48**
